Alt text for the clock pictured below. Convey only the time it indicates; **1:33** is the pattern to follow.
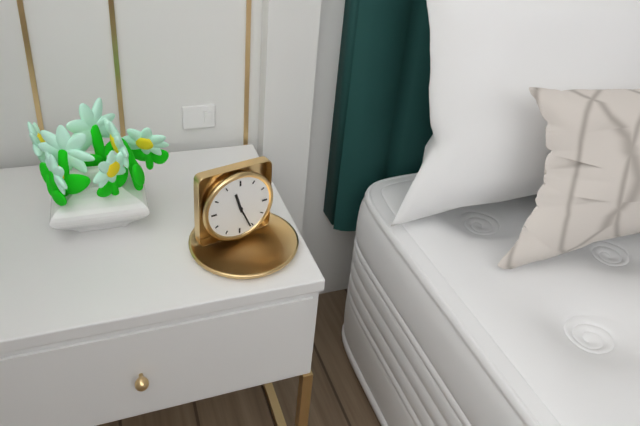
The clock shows **11:26**
